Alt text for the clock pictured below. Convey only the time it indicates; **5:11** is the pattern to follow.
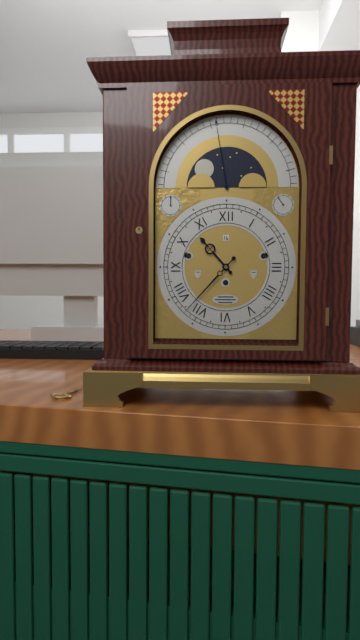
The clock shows **10:37**
